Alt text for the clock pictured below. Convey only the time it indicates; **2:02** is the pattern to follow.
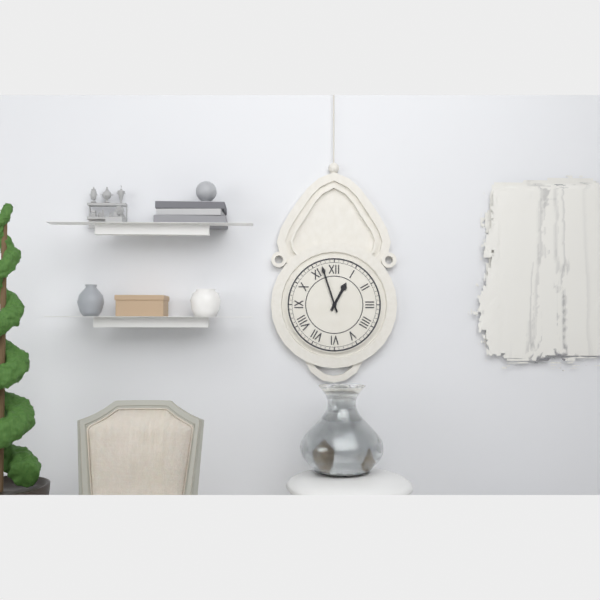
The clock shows **12:57**
